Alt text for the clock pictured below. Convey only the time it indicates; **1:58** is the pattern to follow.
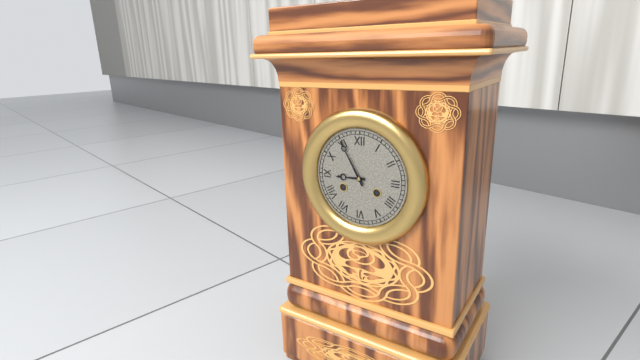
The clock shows **8:55**
